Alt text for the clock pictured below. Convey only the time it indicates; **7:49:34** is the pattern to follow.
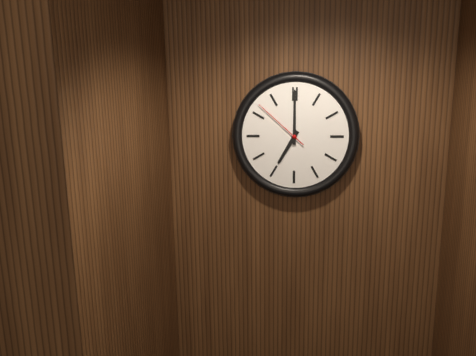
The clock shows **7:00:52**
